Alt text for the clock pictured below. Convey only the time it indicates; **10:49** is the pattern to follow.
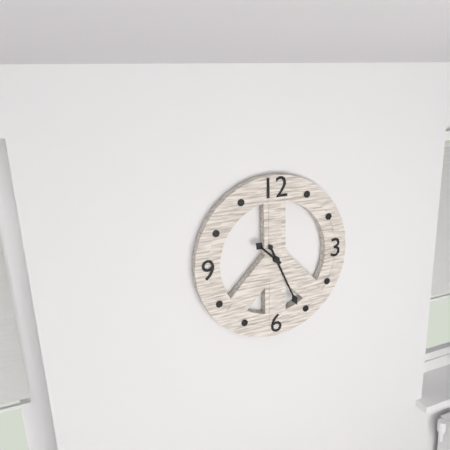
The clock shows **10:26**
